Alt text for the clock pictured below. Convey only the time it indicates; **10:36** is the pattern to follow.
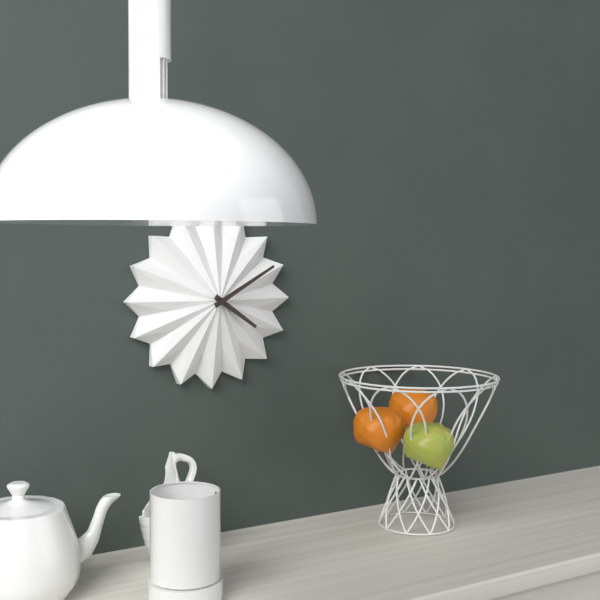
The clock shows **4:10**
